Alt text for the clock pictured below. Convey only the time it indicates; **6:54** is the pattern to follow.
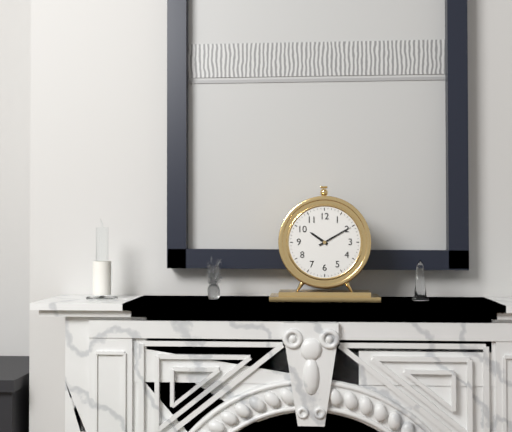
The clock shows **10:10**
